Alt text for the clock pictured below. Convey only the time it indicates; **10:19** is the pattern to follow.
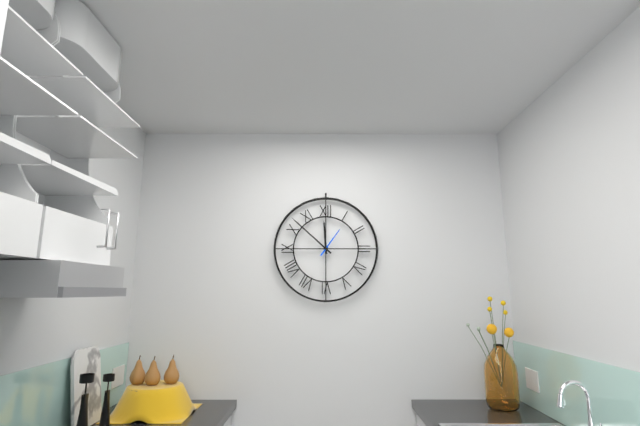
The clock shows **11:52**
